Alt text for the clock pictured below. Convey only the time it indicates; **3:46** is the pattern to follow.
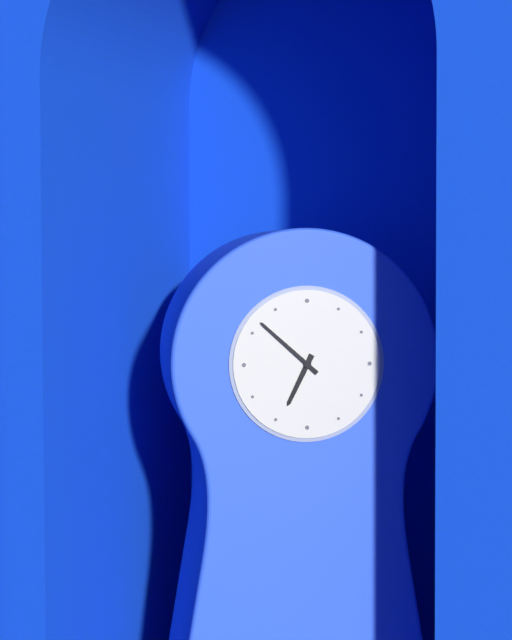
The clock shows **6:52**
